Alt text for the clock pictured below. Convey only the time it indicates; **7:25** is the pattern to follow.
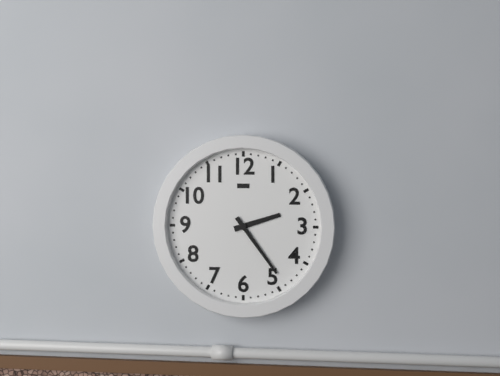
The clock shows **2:24**
